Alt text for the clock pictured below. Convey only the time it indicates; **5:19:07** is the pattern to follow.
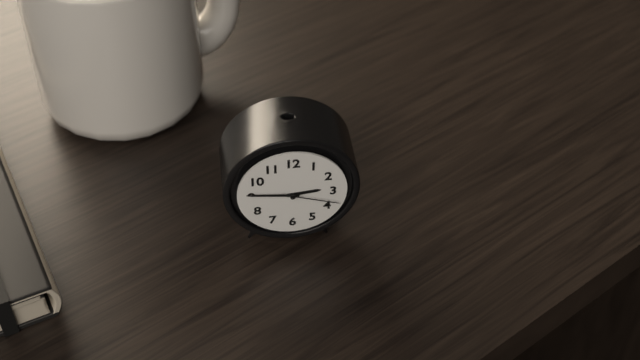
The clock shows **2:46:18**
